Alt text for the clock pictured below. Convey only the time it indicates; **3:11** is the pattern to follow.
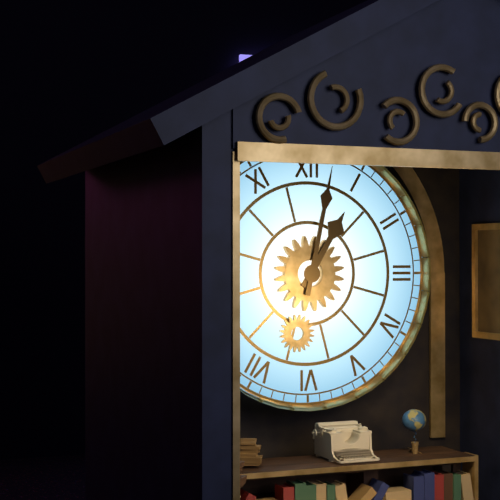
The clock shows **1:02**
